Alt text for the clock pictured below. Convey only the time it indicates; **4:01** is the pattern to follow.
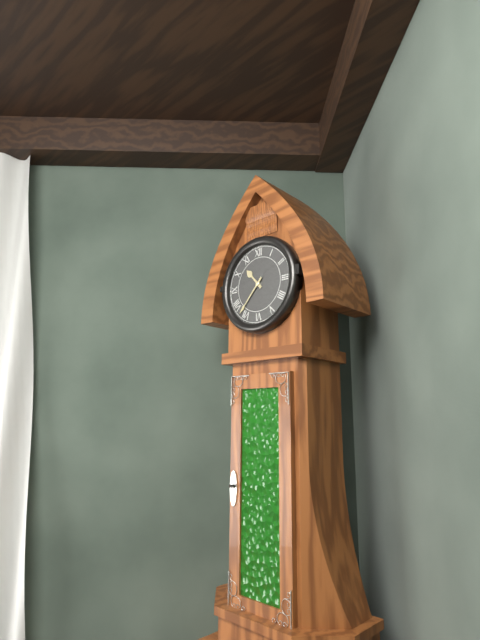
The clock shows **10:37**
